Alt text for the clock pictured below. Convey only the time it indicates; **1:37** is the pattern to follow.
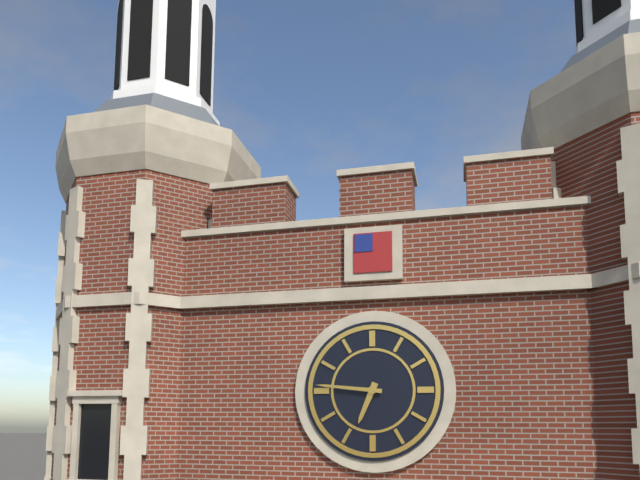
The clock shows **6:46**
